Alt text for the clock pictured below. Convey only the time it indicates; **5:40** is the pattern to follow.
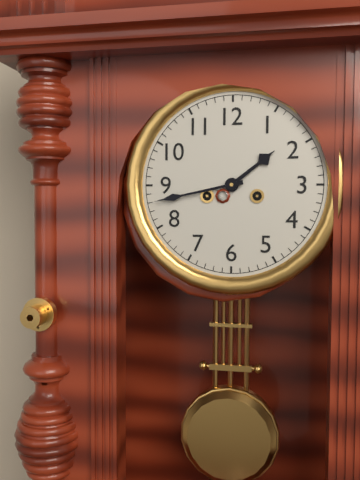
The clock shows **1:43**
